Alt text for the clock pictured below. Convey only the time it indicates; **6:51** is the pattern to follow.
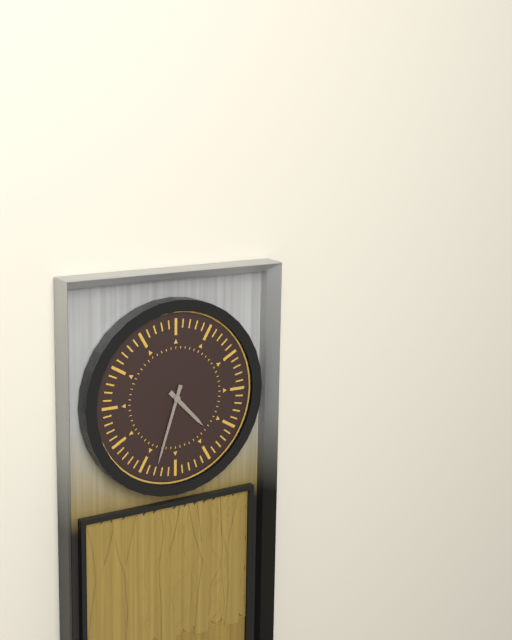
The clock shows **4:33**
